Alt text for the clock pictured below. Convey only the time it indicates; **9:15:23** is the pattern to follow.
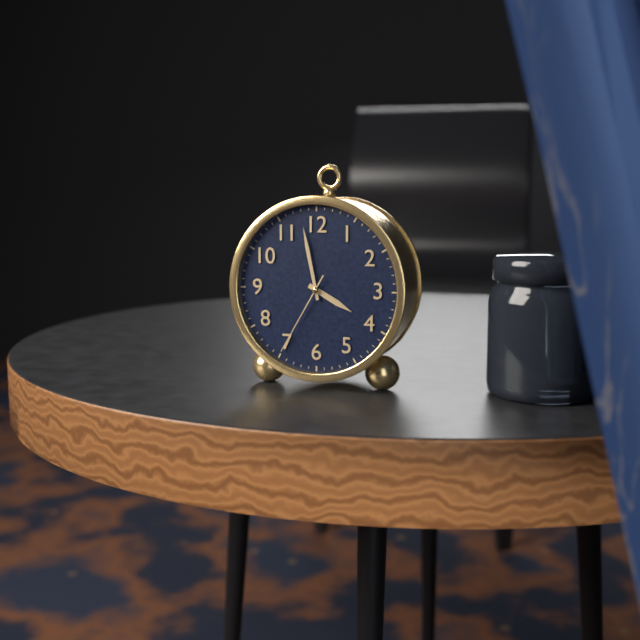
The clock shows **3:58:35**
